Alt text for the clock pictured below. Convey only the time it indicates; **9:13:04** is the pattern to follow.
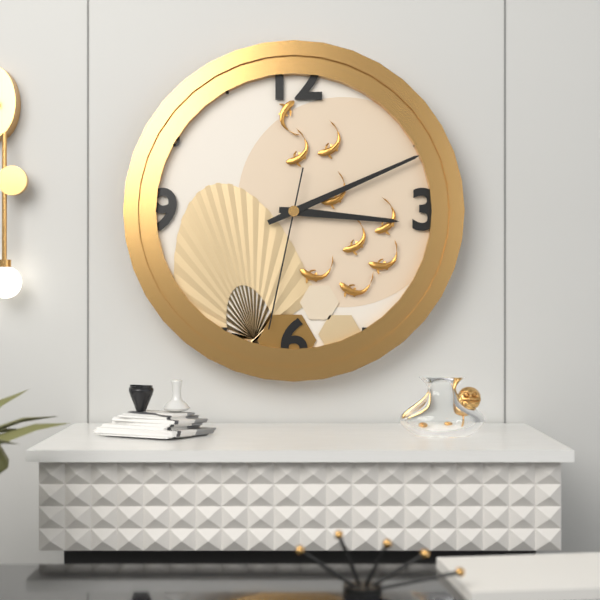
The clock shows **3:11:32**
